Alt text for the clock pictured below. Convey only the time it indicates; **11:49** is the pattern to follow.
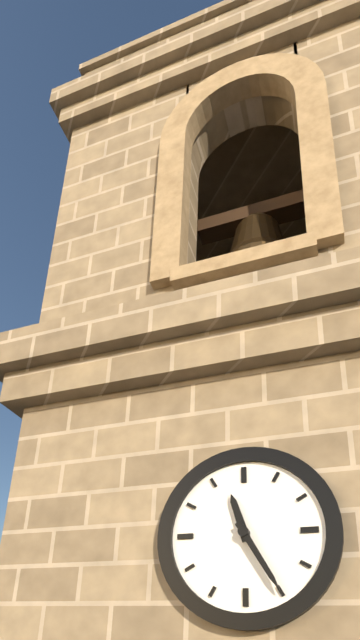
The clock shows **11:25**
